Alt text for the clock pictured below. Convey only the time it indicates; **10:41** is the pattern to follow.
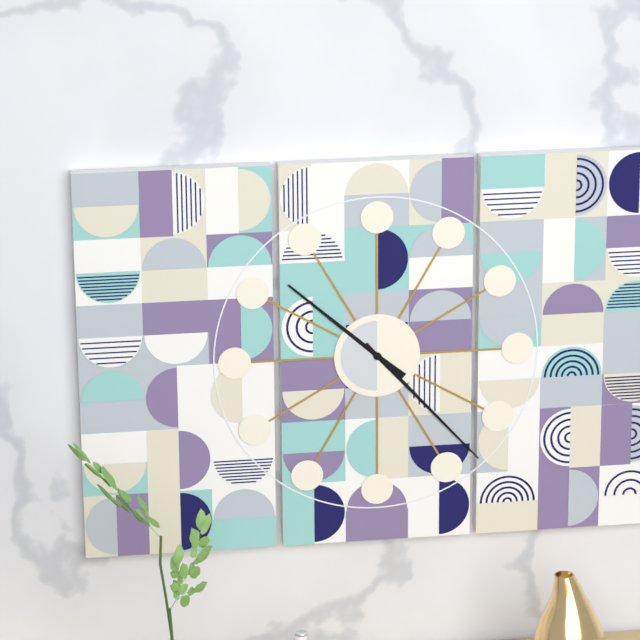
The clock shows **10:23**
